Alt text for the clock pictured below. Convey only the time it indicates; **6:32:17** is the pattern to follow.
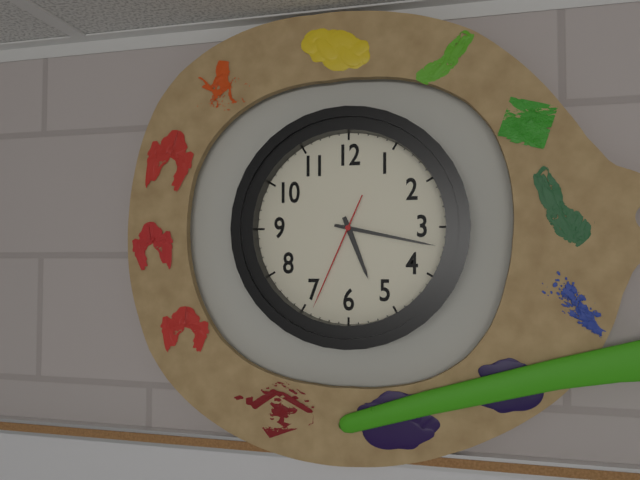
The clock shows **5:17:34**
